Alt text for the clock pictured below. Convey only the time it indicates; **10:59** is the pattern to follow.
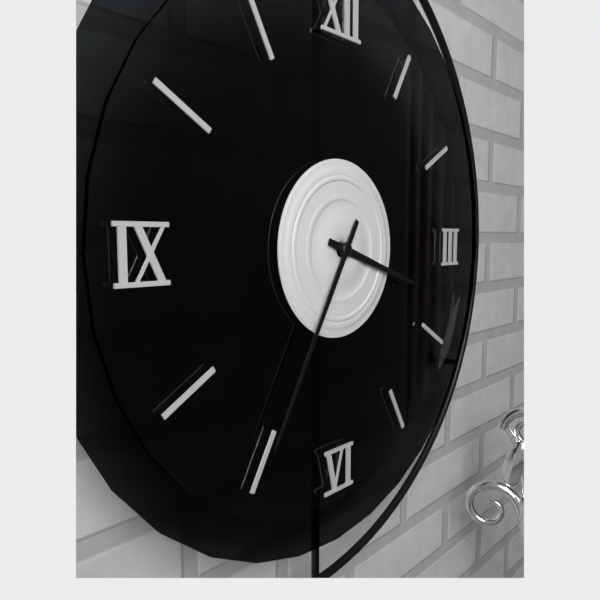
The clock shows **3:35**
